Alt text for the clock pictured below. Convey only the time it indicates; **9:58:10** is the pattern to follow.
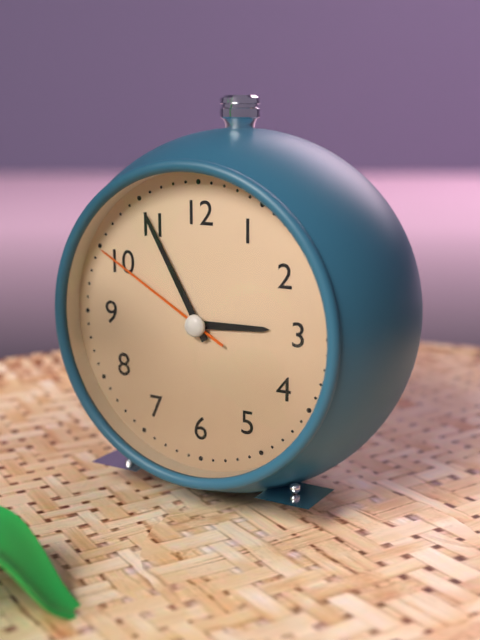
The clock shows **2:55:50**
